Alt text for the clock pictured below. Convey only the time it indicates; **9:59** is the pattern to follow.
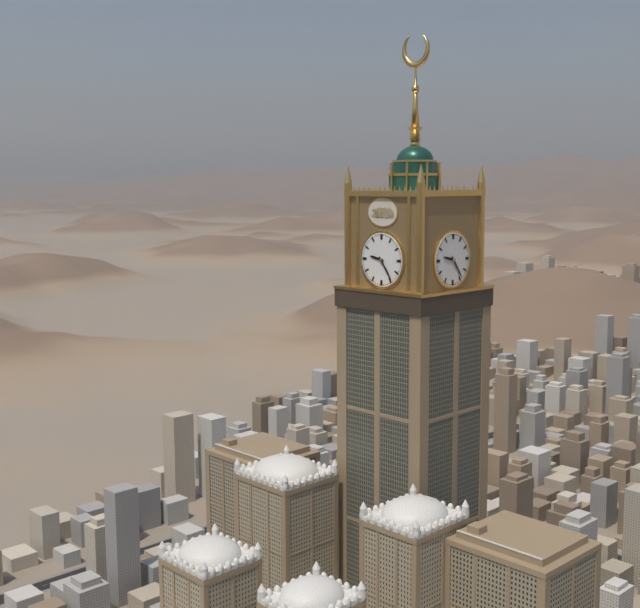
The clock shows **9:24**
